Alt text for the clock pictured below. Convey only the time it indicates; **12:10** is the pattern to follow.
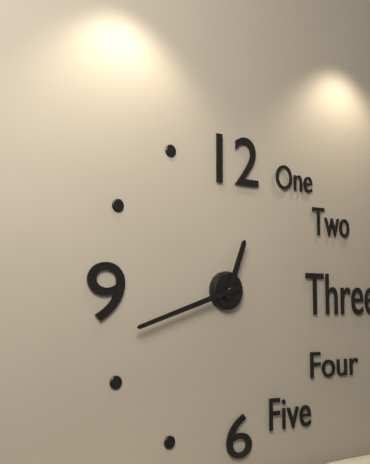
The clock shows **12:42**
